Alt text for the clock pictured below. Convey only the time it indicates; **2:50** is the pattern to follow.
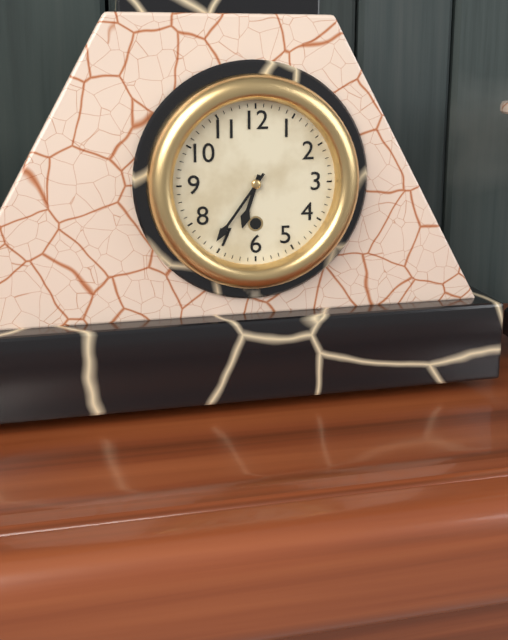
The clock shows **6:36**
